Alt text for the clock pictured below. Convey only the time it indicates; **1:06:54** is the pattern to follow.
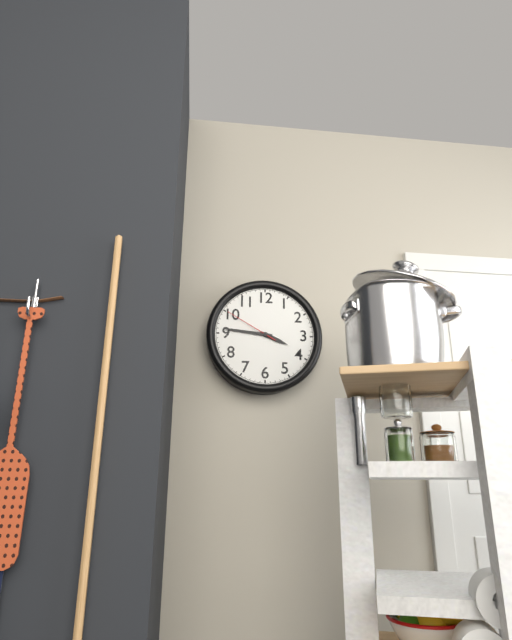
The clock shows **3:46:50**
